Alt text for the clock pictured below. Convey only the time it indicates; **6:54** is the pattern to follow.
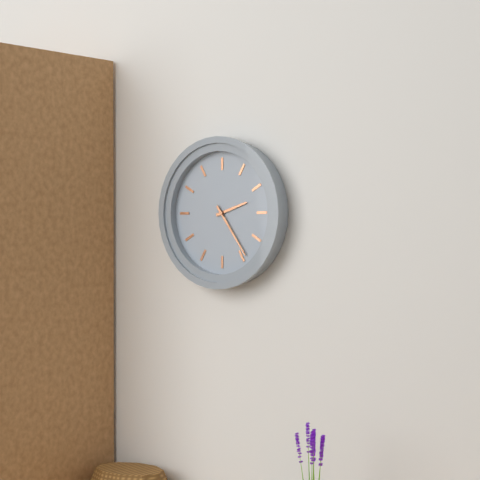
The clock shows **2:24**
